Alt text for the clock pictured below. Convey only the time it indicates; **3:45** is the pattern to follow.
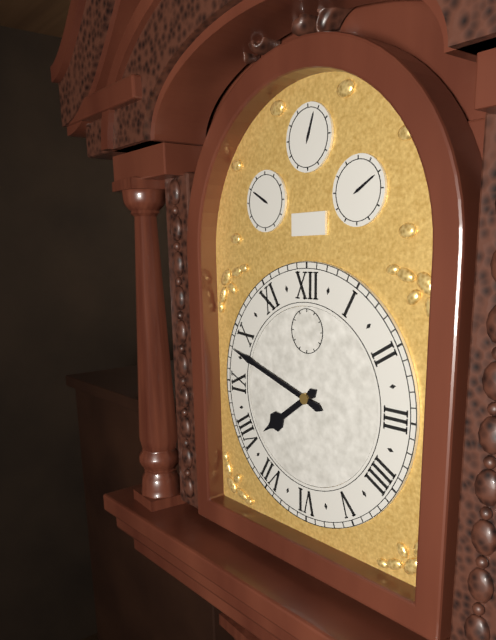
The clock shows **7:48**
